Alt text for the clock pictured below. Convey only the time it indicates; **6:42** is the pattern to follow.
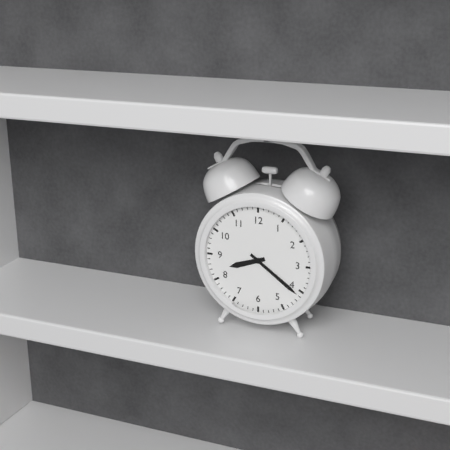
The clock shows **8:21**
